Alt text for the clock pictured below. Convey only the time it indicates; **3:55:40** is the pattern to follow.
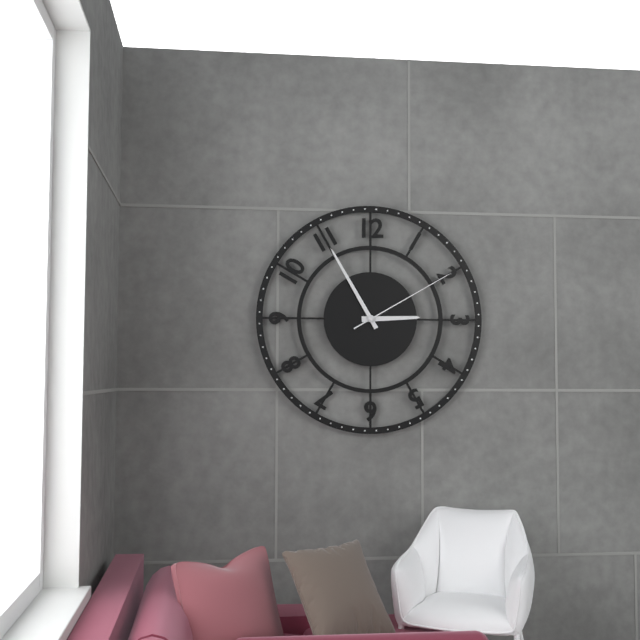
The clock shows **2:55:10**
